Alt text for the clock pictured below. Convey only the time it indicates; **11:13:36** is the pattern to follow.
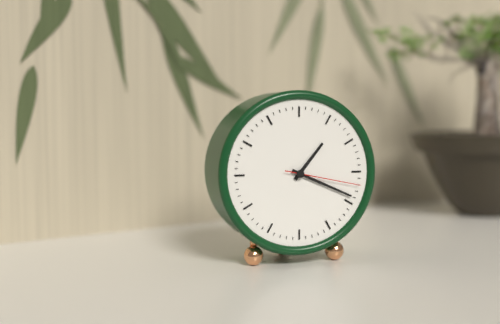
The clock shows **1:19:17**
